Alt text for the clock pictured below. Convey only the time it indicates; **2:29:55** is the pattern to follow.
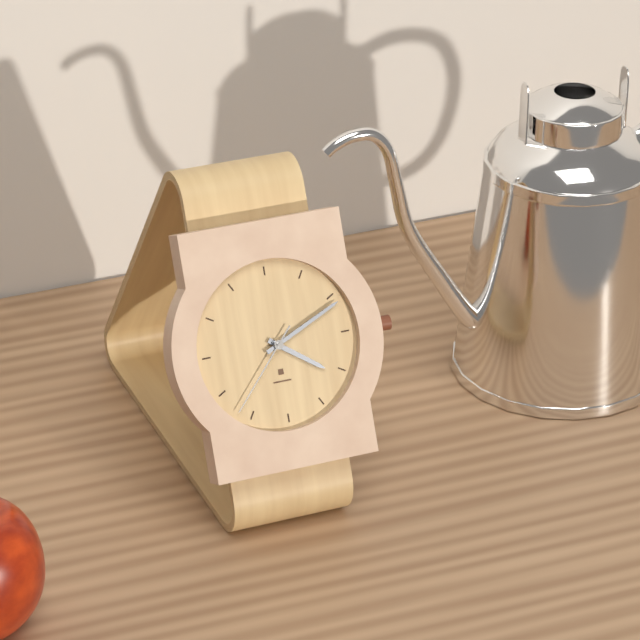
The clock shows **4:11:37**
